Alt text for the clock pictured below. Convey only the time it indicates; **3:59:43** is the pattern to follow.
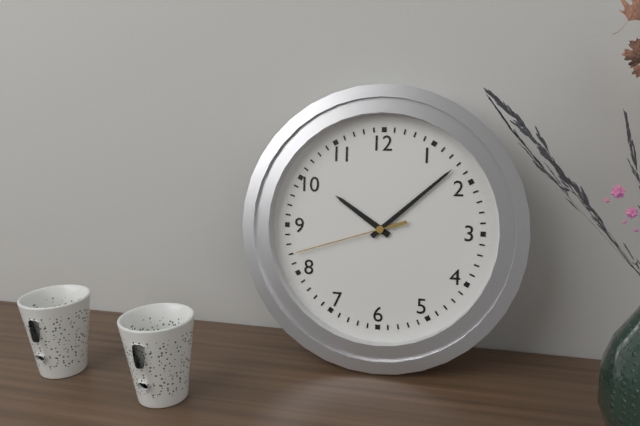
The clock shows **10:08:42**
